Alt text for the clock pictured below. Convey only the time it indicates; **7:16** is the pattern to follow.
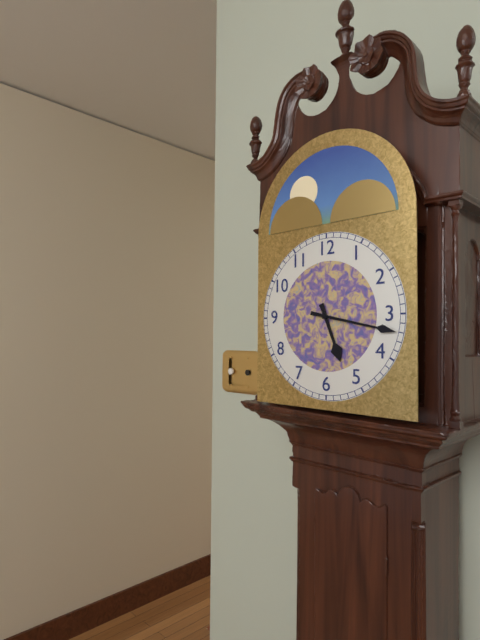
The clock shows **5:17**
